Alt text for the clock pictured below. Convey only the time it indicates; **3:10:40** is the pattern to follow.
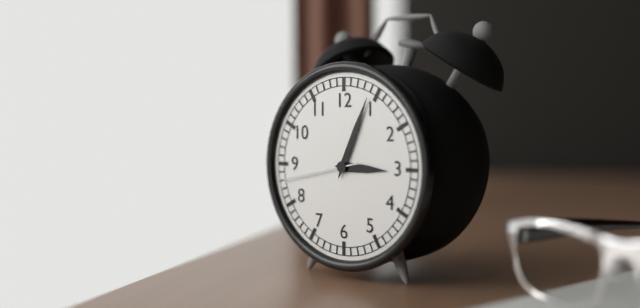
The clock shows **3:04:43**
